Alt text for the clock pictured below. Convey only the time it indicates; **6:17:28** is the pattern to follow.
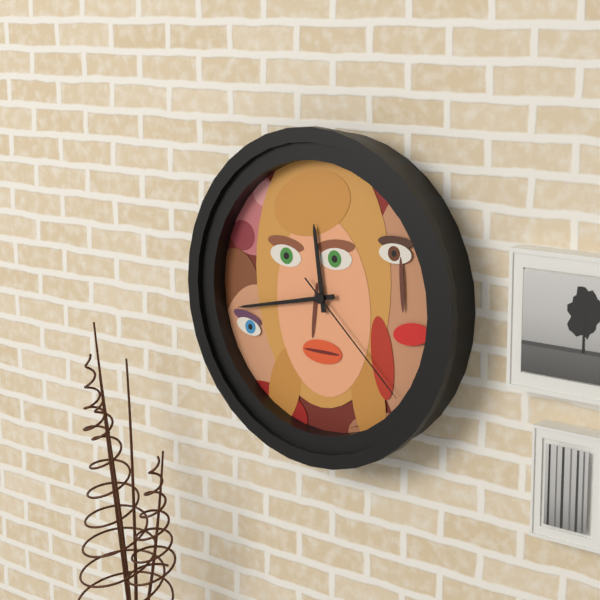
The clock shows **11:43:22**
